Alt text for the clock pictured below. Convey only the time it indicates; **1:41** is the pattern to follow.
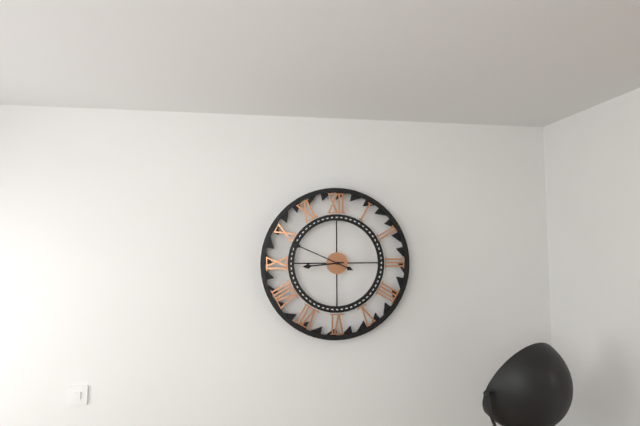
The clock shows **8:49**
